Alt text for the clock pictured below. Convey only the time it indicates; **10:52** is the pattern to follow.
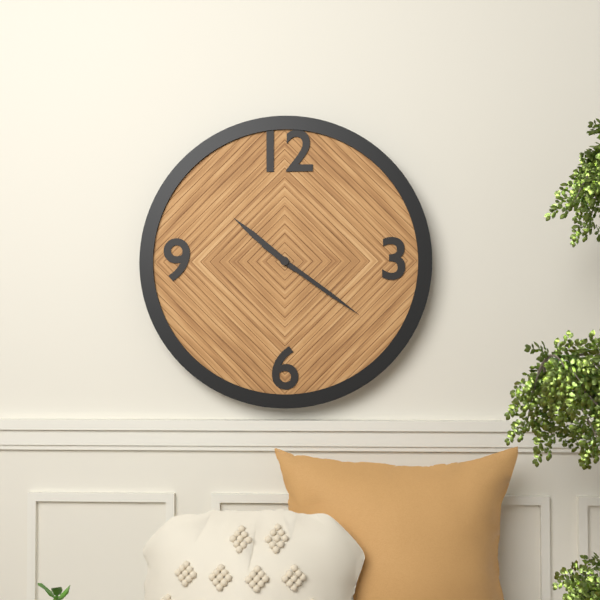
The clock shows **10:21**
